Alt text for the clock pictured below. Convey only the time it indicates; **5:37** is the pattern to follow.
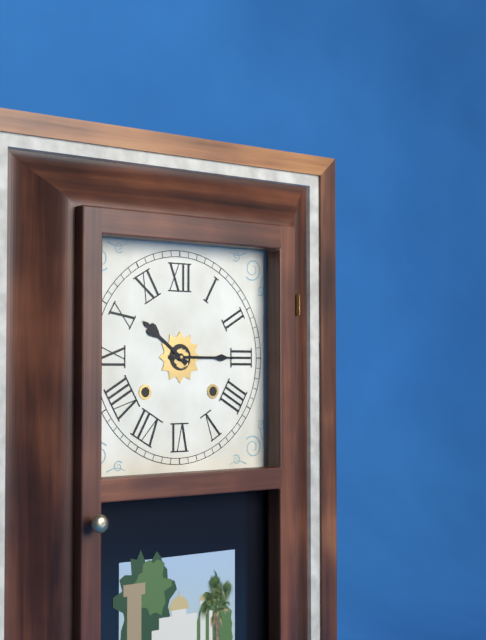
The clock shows **10:15**
